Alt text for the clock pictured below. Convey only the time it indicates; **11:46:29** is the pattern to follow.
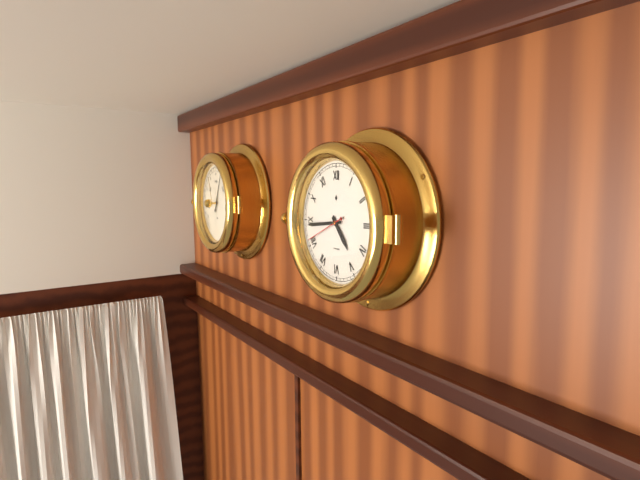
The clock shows **4:44:41**
